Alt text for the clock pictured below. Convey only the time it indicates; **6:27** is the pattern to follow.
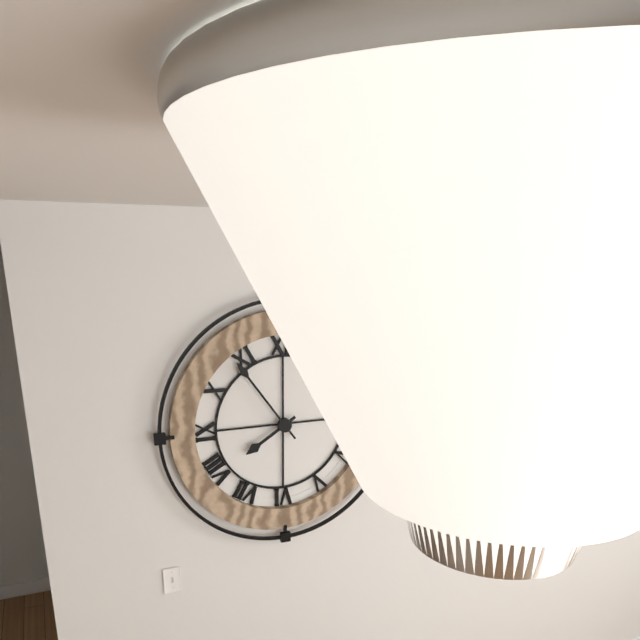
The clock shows **7:54**
